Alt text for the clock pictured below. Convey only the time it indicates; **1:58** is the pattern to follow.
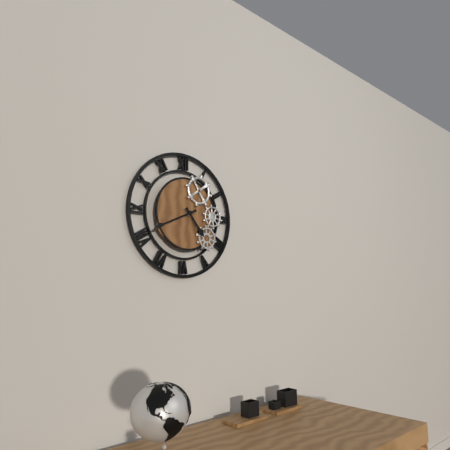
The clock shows **4:41**
